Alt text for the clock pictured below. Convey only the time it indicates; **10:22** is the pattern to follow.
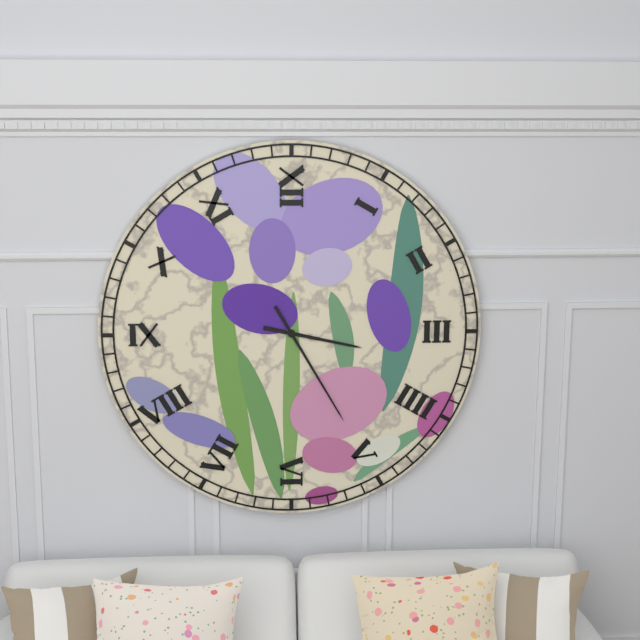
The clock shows **3:25**
